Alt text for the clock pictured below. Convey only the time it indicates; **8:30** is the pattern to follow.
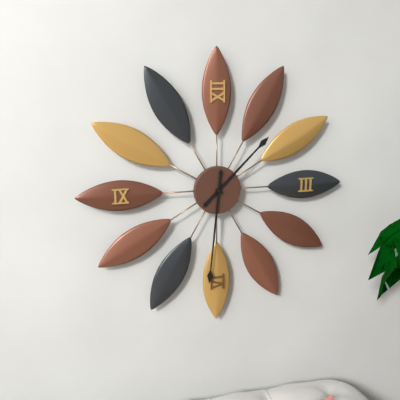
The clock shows **1:31**
